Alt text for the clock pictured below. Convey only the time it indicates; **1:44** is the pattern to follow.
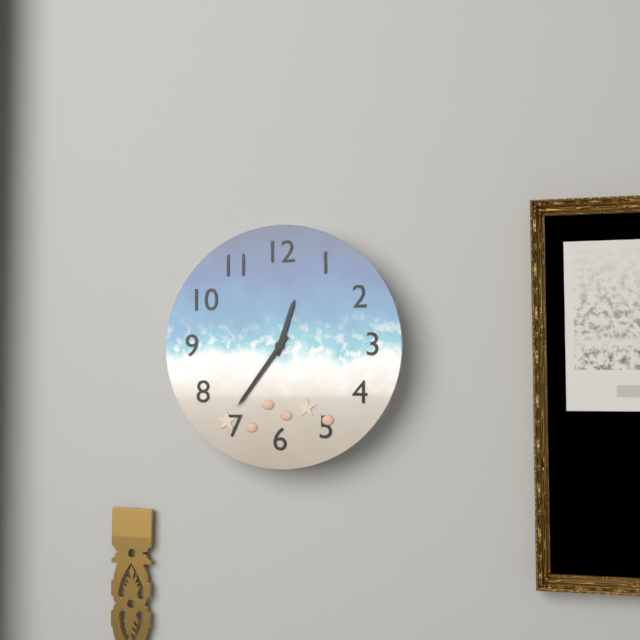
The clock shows **12:36**
